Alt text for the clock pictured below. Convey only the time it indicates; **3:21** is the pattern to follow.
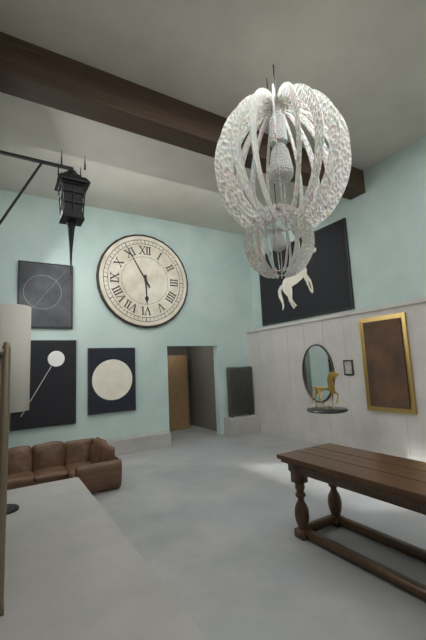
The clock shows **5:55**
